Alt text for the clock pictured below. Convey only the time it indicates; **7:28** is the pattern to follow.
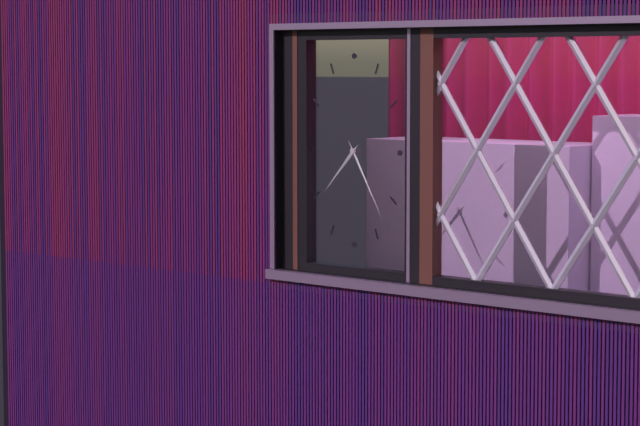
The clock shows **7:25**
